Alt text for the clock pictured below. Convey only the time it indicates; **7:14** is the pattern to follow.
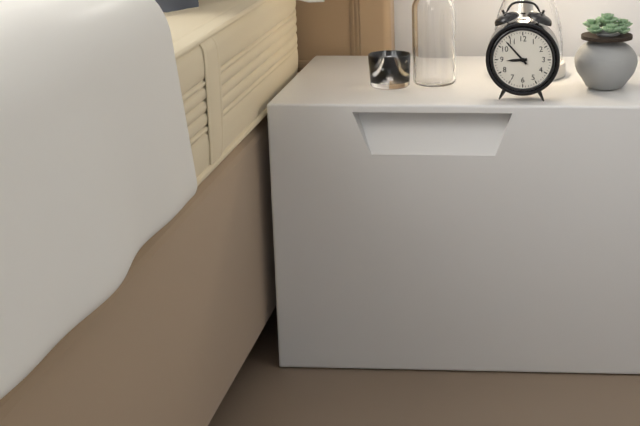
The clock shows **8:53**
